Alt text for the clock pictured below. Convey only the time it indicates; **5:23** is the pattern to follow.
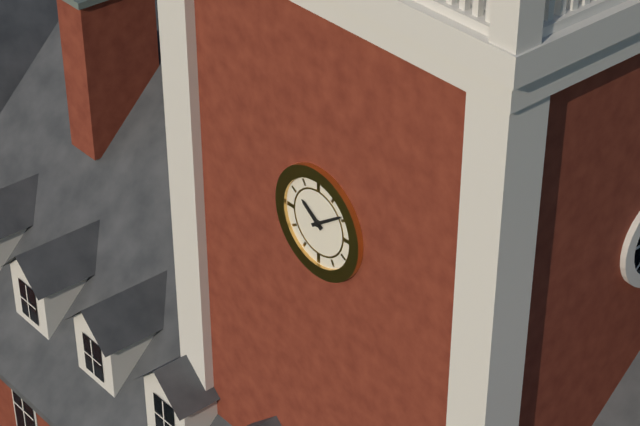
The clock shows **10:09**
